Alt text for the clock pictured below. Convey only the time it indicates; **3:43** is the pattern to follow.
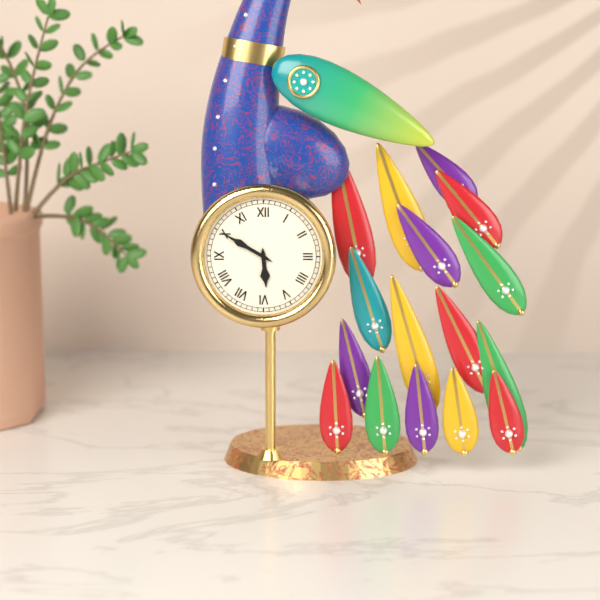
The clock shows **5:50**
